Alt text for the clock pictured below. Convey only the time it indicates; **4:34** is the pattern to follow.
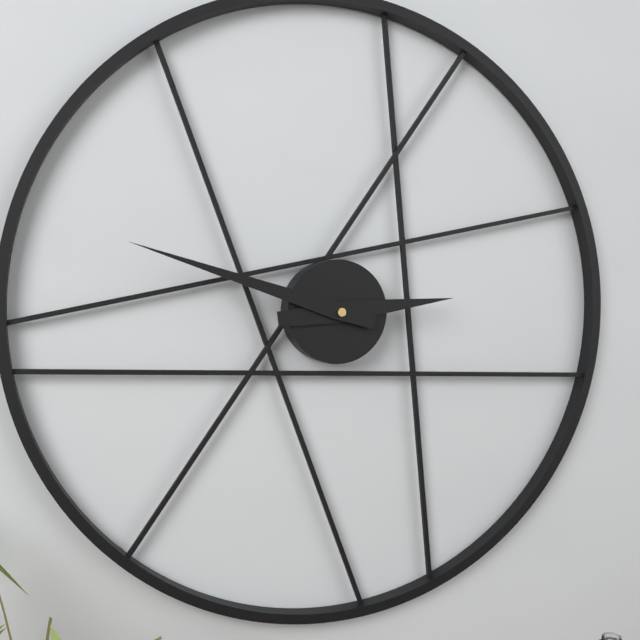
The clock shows **2:48**
